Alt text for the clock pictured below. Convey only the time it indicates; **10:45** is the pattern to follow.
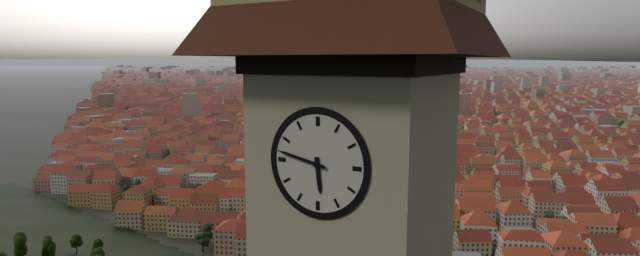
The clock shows **5:47**
